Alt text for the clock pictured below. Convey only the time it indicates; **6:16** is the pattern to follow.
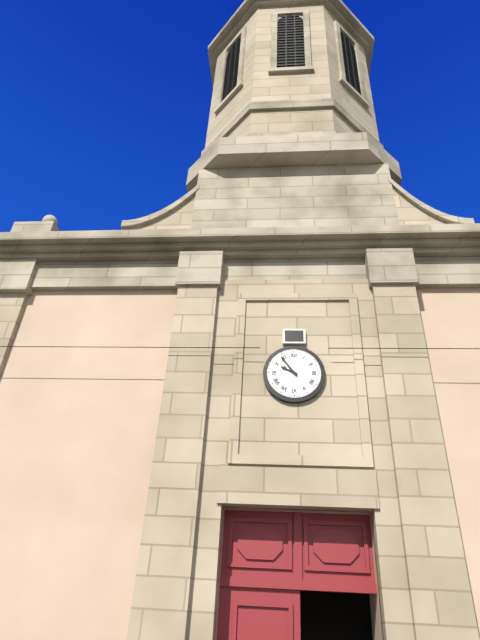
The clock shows **9:54**
